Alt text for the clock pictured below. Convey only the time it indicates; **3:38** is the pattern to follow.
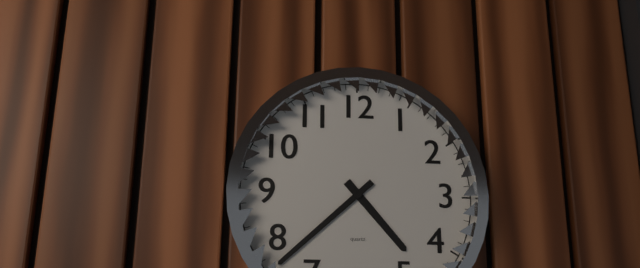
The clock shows **4:38**
